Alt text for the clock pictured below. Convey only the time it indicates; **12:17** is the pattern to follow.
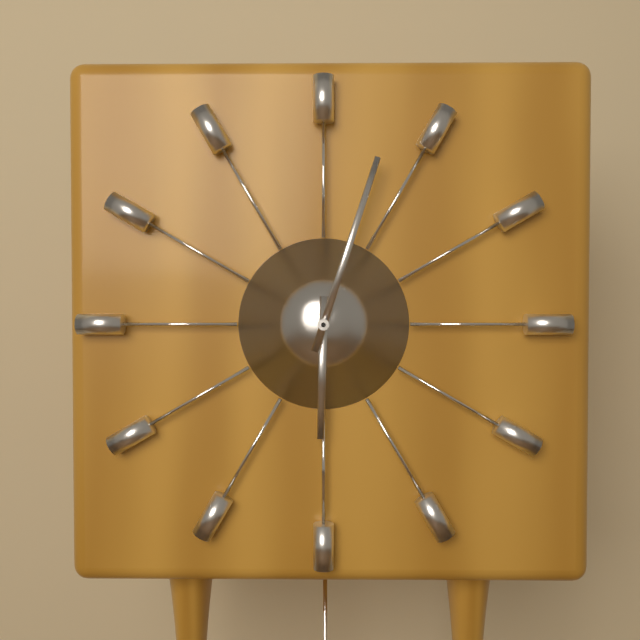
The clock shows **6:03**
